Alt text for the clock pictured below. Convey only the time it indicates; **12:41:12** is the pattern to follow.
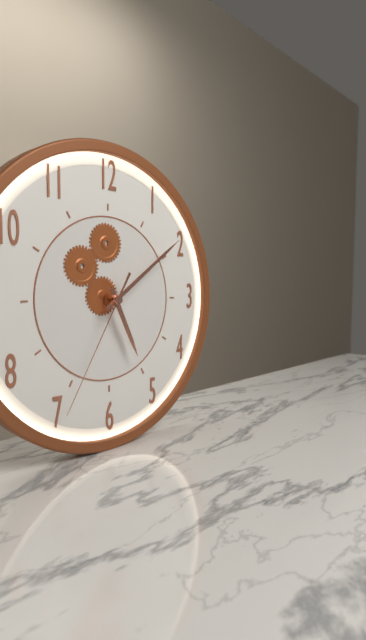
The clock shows **5:09:35**
